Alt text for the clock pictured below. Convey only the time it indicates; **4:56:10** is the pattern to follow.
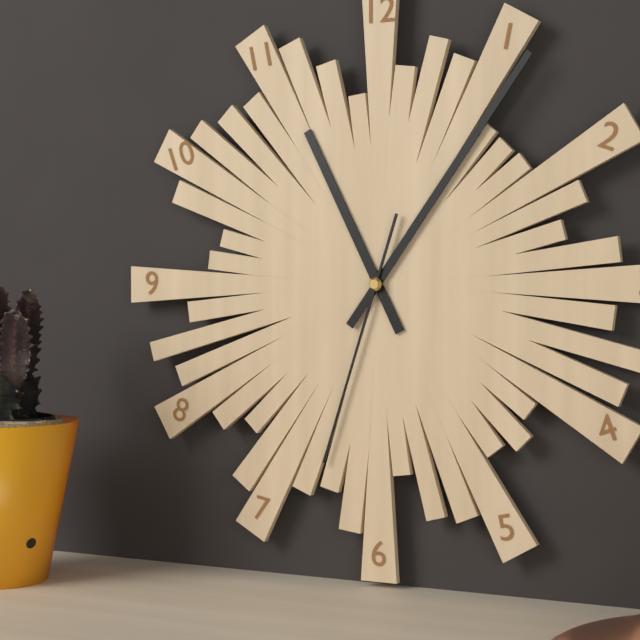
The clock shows **11:06:33**
